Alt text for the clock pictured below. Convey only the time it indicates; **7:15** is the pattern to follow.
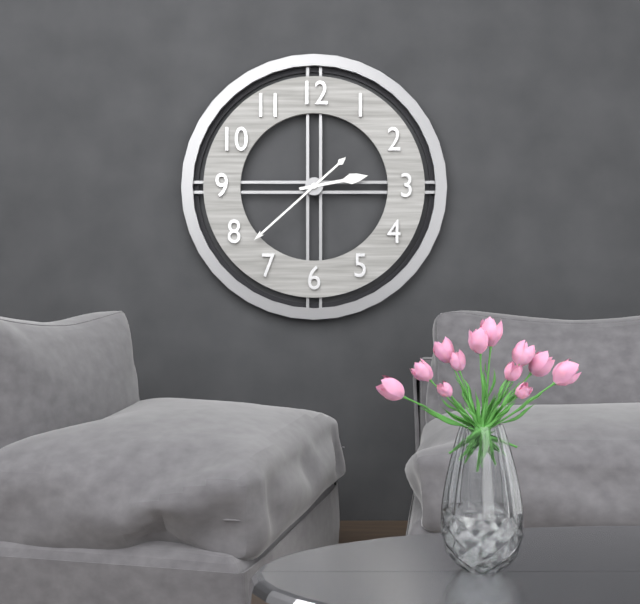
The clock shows **2:38**
